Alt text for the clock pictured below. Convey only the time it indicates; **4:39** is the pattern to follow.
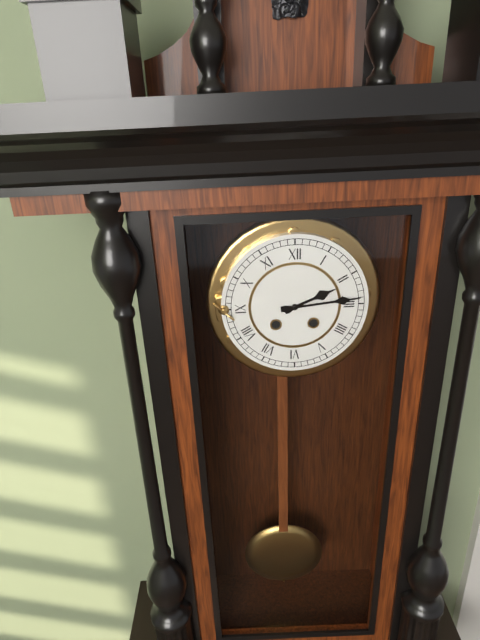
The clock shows **2:14**
